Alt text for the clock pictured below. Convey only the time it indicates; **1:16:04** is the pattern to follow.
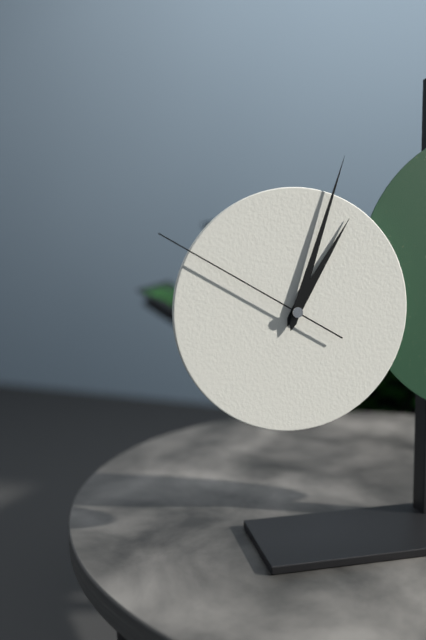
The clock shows **1:03:50**
